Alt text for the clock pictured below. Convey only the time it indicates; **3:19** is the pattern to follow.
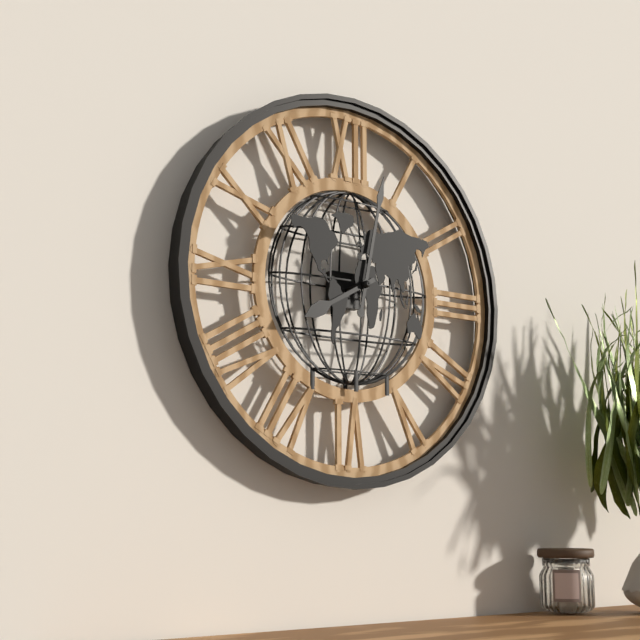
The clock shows **8:02**
